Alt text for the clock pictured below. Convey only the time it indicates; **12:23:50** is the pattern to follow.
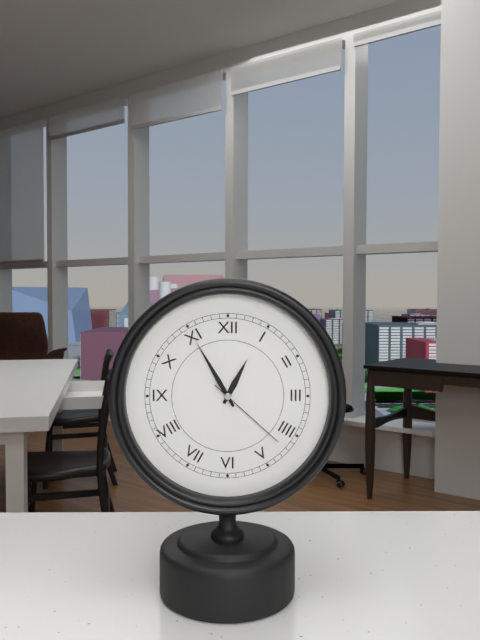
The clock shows **12:55:22**
